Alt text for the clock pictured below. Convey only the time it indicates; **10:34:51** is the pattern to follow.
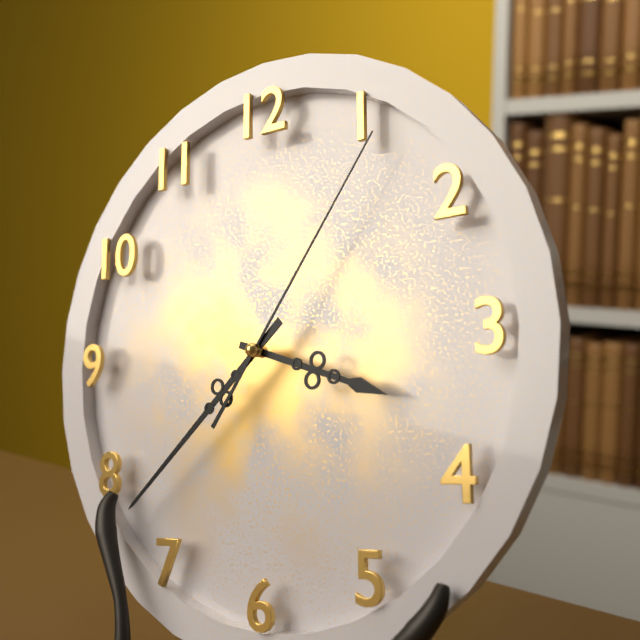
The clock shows **3:38:06**
